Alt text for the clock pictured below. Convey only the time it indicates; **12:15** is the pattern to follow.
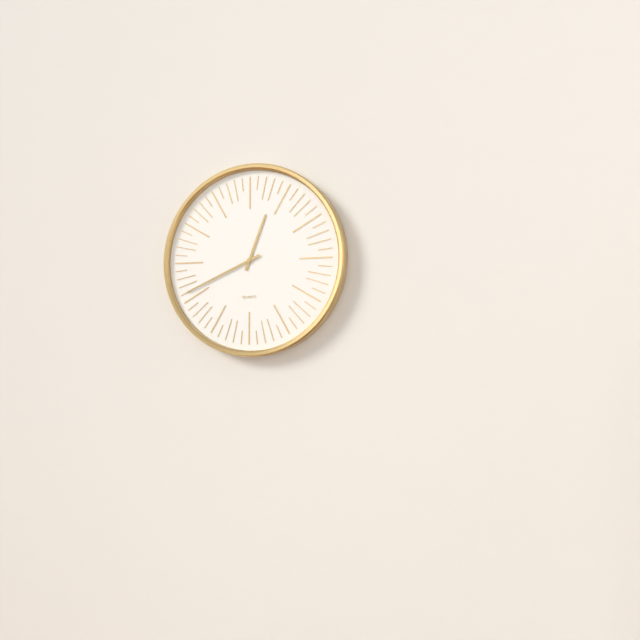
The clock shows **12:41**
